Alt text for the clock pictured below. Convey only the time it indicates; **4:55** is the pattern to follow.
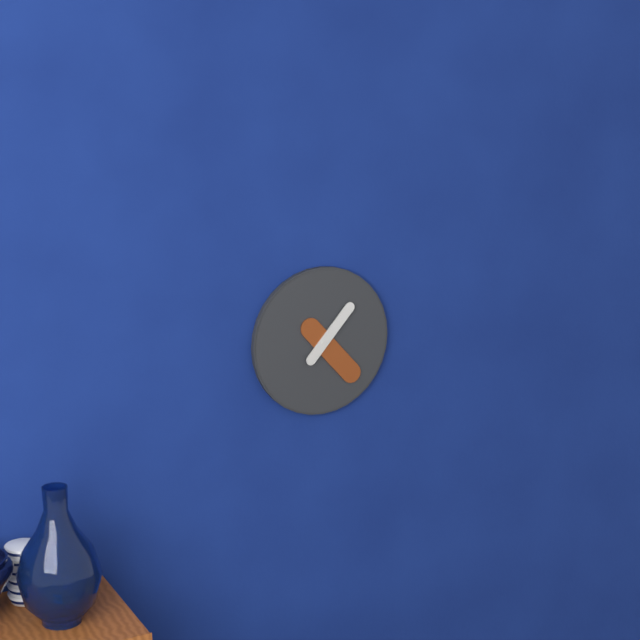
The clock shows **1:23**
